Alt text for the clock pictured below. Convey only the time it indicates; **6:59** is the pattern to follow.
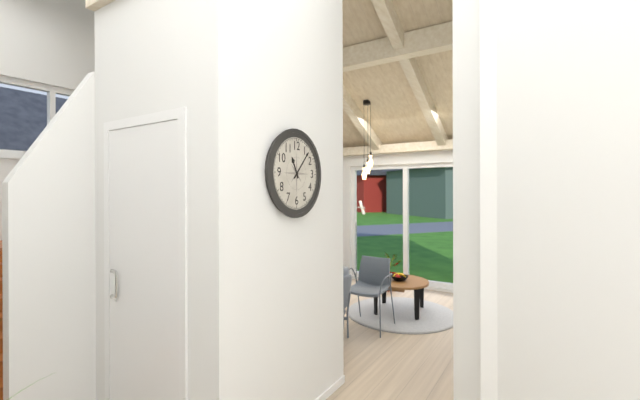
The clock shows **11:07**
